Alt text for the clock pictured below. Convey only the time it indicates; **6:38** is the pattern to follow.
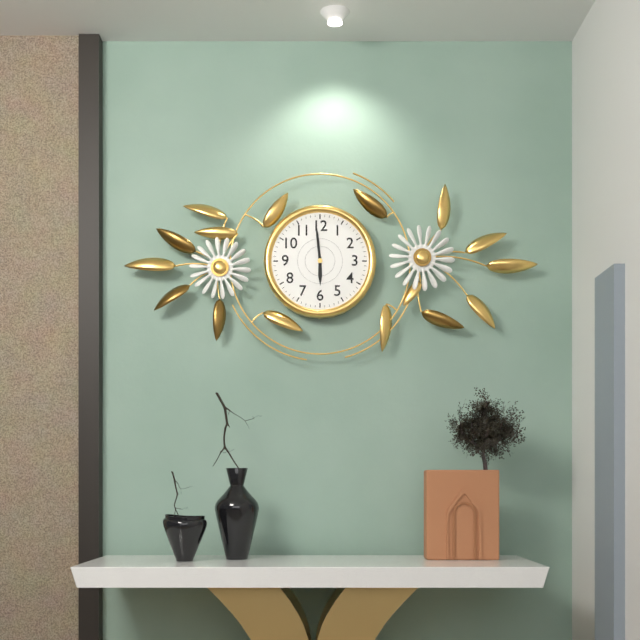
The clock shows **5:59**
